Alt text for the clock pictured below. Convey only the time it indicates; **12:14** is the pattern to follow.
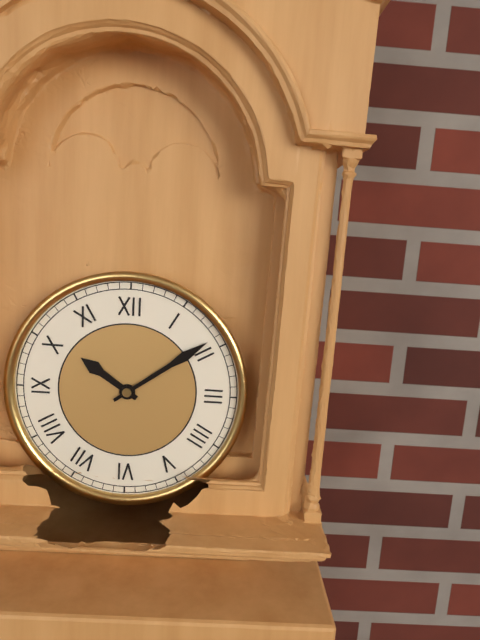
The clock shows **10:09**
